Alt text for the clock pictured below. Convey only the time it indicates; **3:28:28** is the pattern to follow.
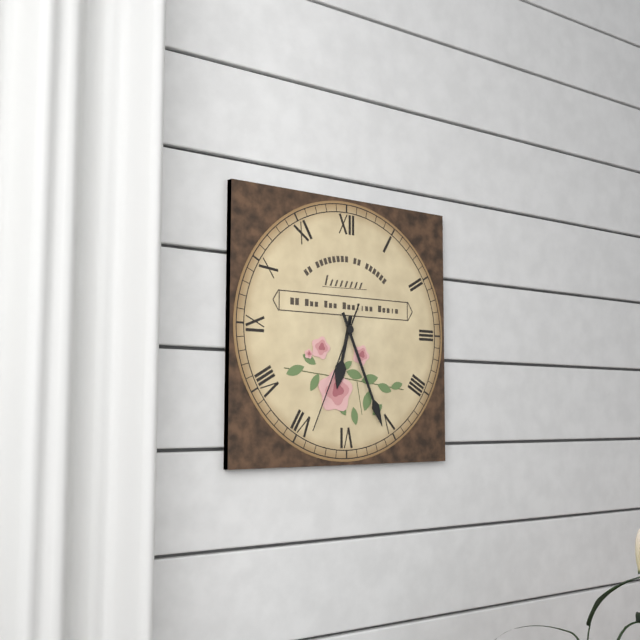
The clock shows **6:26:34**
